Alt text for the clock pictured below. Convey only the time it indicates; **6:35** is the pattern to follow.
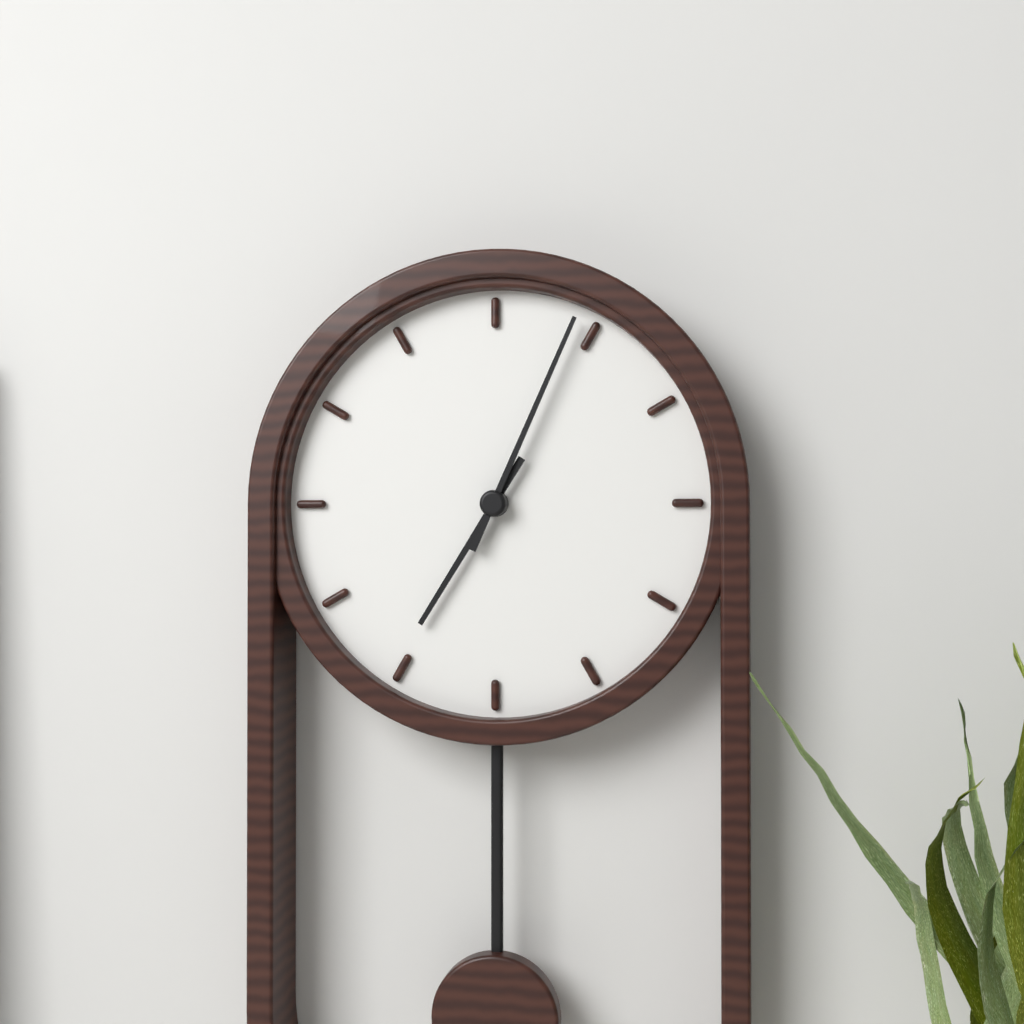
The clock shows **7:04**
